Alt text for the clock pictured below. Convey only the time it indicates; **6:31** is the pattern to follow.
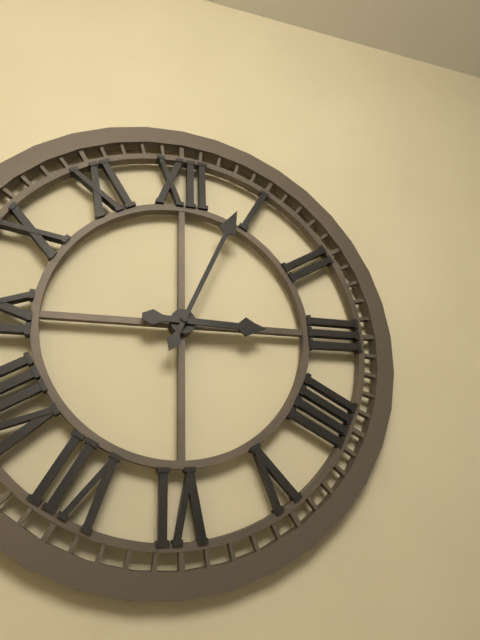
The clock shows **3:04**
